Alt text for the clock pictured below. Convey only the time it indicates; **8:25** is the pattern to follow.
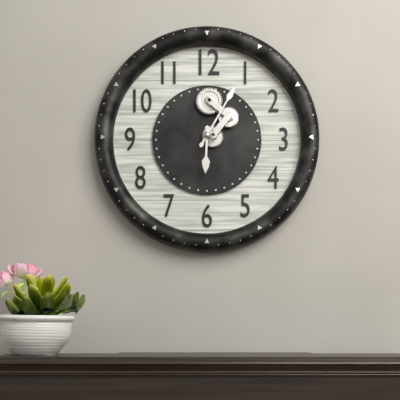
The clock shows **6:05**
